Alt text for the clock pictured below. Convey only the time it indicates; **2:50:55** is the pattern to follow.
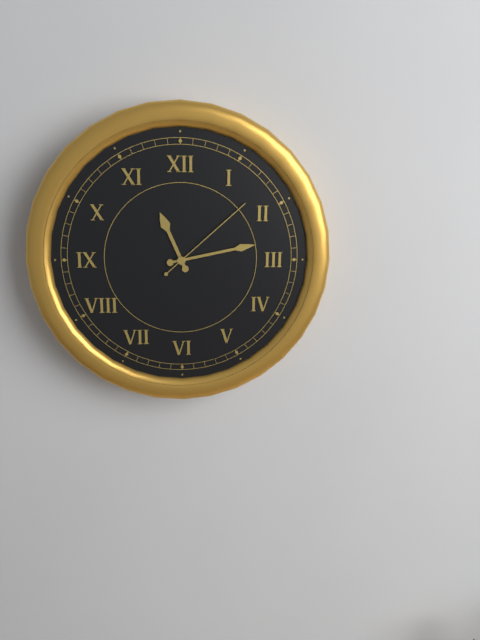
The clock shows **11:13:08**
